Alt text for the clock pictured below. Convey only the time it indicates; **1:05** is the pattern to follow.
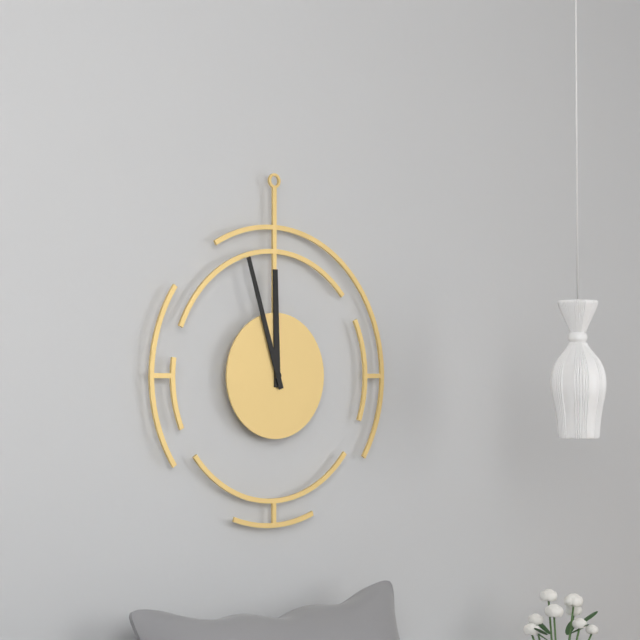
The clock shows **11:57**
